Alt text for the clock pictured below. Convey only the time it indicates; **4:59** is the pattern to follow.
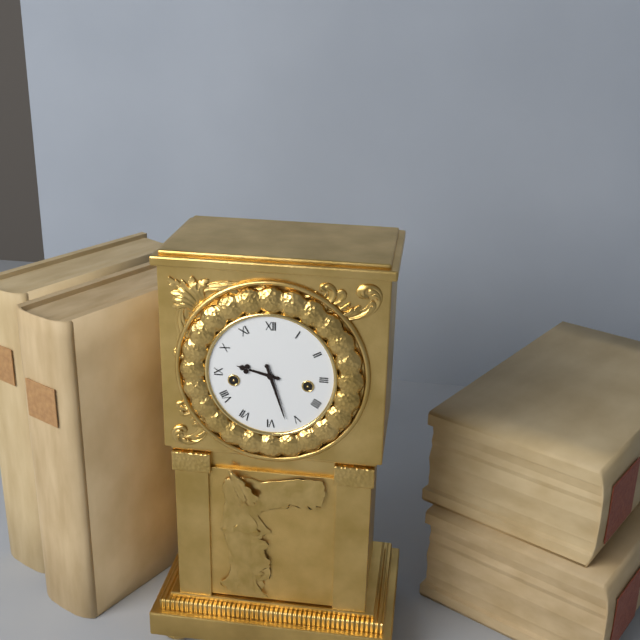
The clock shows **9:27**
